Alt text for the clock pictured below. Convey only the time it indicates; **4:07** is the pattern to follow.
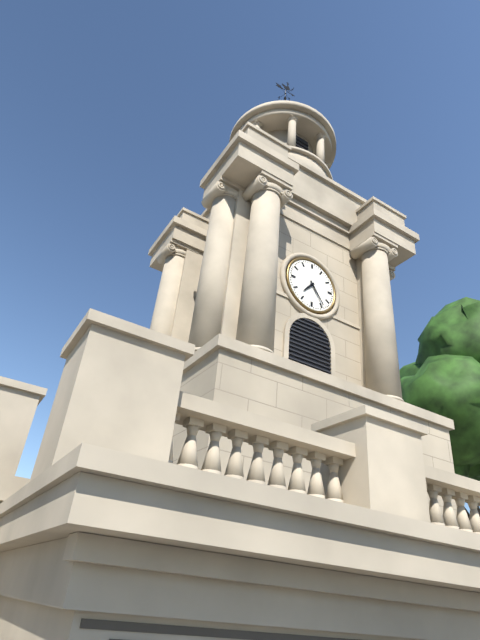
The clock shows **7:24**
